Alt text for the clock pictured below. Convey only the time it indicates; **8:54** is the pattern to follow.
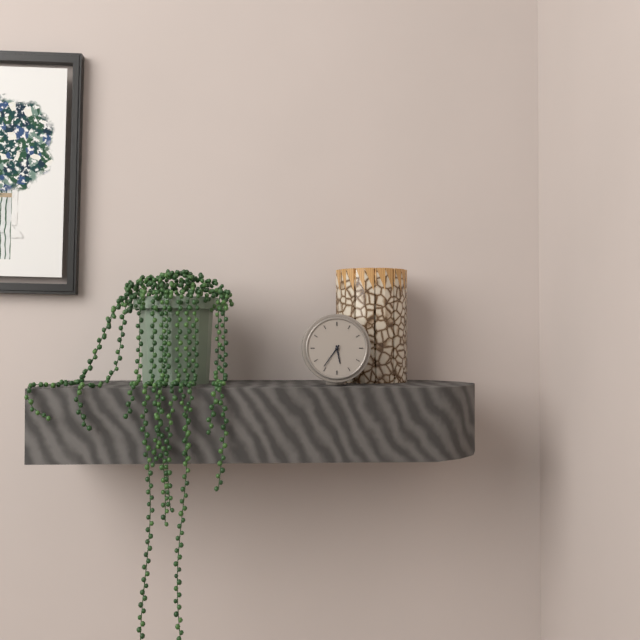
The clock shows **5:36**
